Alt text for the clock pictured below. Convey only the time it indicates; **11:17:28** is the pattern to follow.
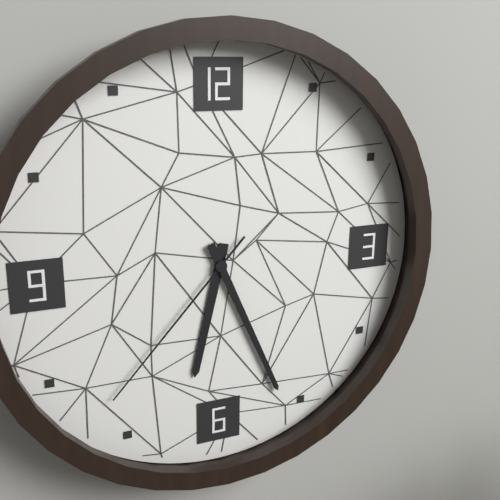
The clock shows **6:26:37**
